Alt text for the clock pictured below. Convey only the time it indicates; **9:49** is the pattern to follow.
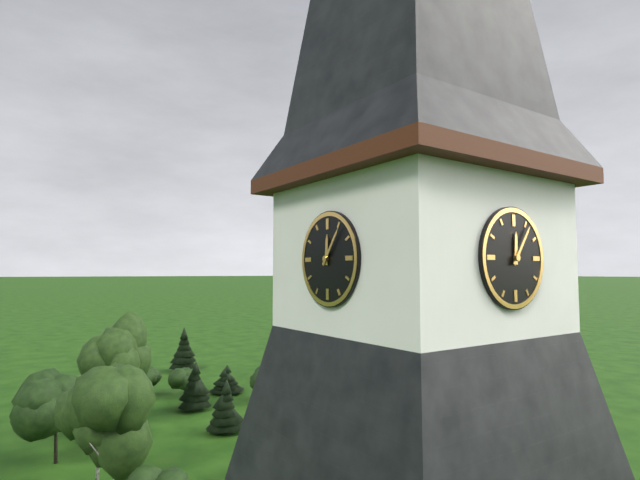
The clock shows **12:06**
